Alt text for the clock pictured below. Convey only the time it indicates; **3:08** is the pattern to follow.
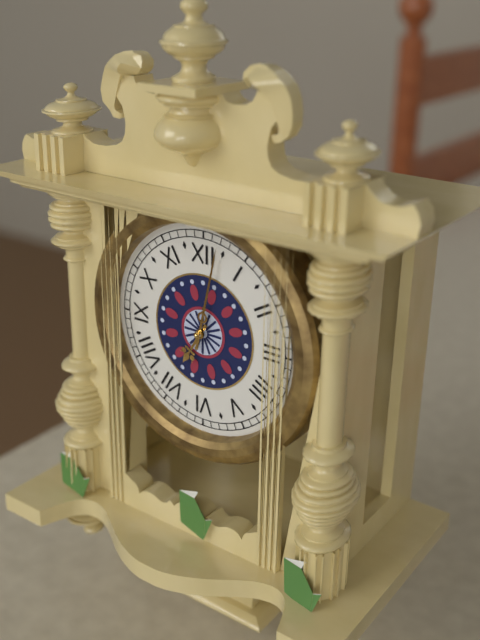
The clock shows **7:02**
